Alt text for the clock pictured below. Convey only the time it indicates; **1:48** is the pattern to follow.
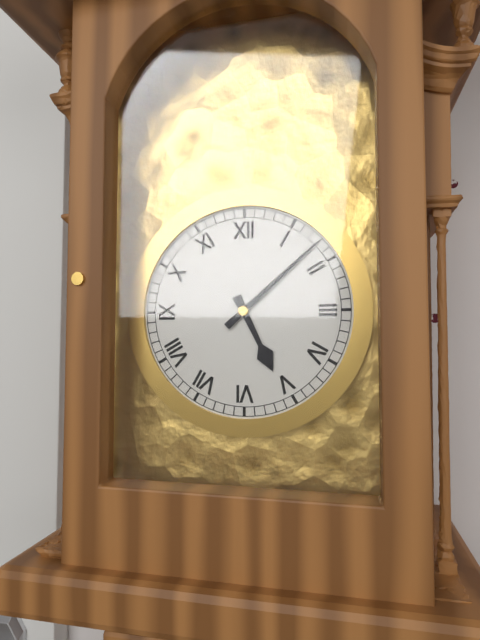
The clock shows **5:08**
